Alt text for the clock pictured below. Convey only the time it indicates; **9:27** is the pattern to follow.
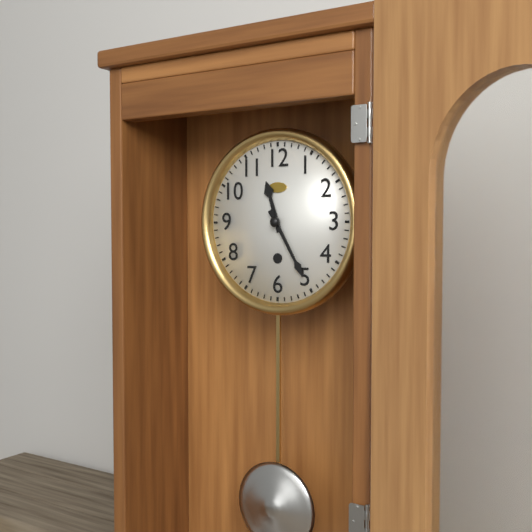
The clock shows **11:25**
